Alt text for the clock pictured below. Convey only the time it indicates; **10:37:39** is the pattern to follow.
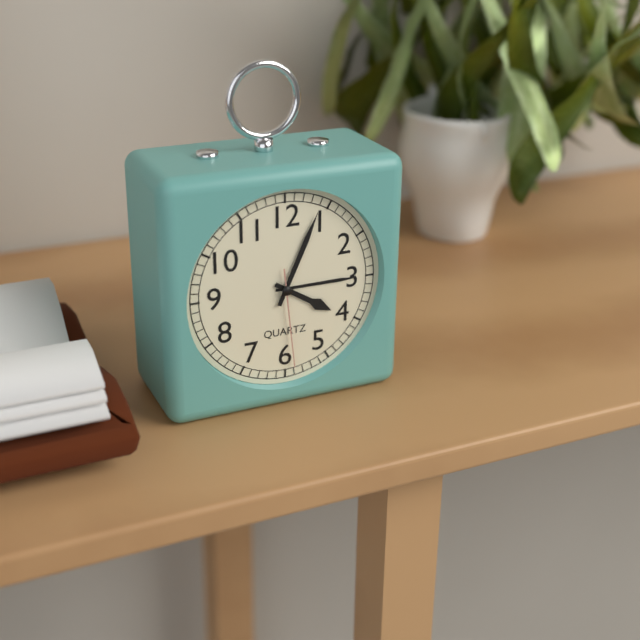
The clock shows **4:04:29**
